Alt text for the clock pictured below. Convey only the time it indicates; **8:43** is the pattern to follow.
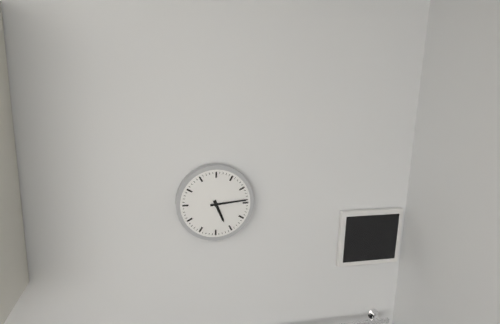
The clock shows **5:14**
